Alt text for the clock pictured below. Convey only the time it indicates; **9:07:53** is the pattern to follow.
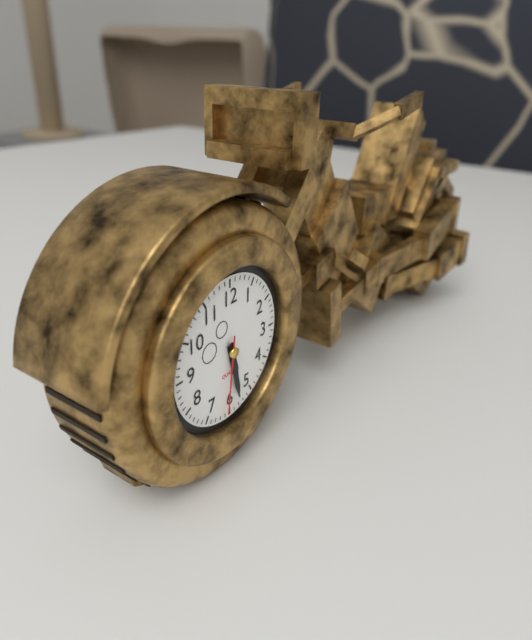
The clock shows **5:28:31**
